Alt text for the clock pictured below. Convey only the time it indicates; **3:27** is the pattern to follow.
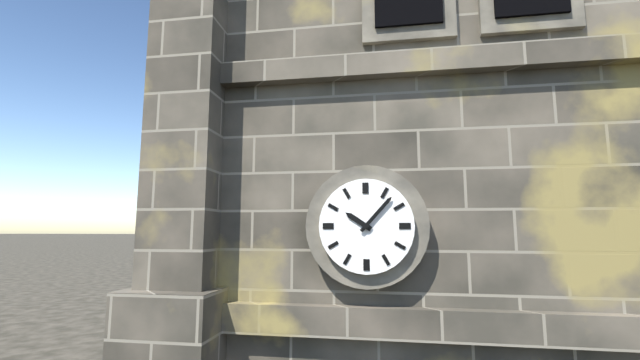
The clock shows **10:07**
